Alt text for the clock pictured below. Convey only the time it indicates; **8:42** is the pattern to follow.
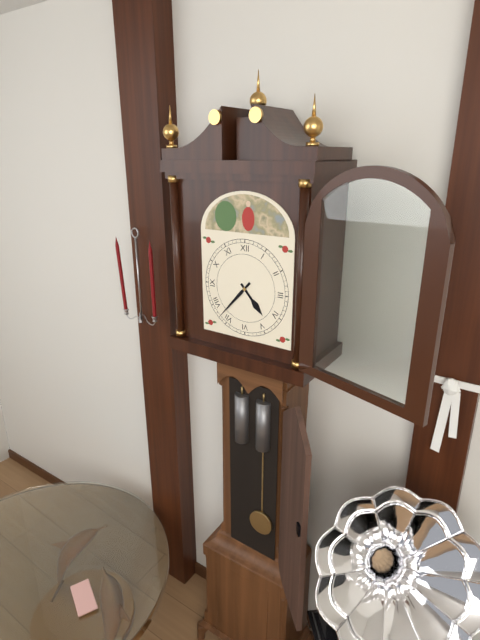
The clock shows **4:37**
